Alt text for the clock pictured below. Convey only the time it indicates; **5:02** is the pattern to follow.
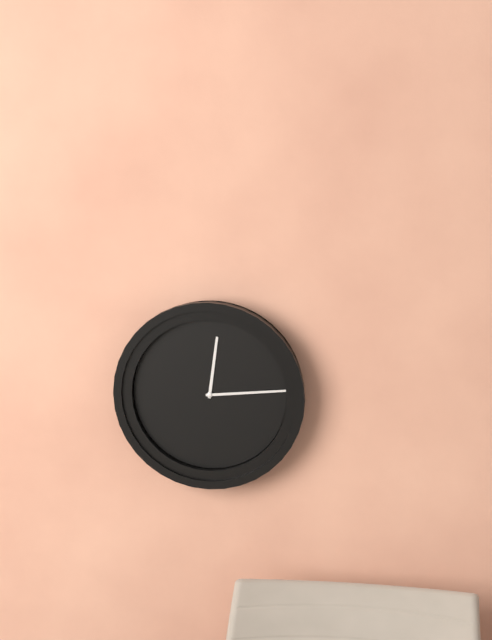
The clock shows **12:14**
